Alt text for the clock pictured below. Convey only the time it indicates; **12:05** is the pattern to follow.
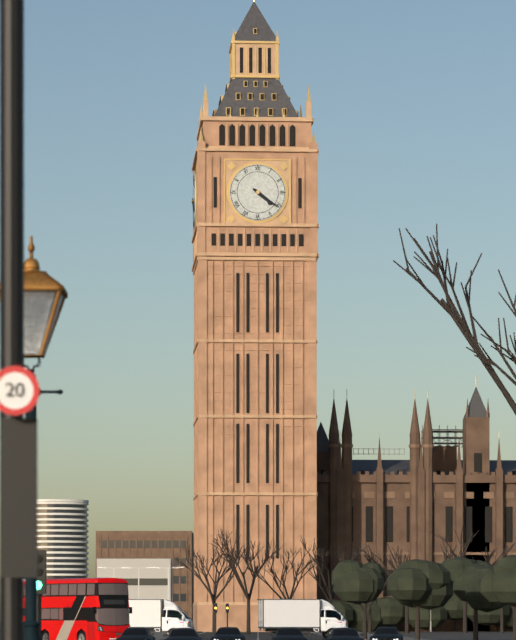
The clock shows **4:21**
